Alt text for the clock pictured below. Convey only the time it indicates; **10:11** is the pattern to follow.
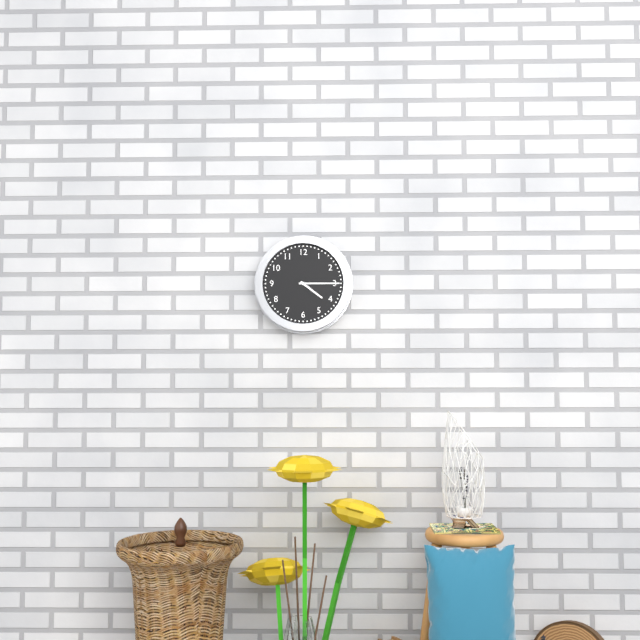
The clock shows **4:15**
